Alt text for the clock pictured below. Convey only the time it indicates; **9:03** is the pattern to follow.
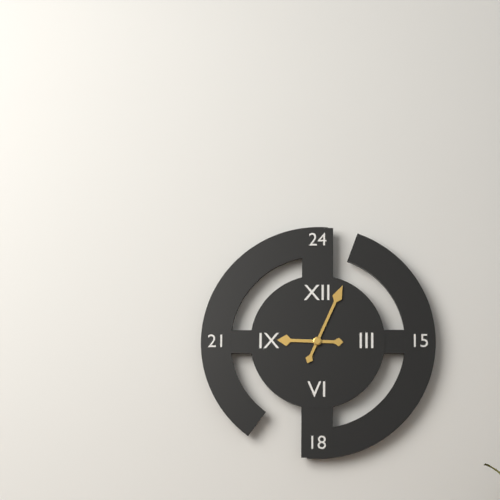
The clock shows **9:04**
